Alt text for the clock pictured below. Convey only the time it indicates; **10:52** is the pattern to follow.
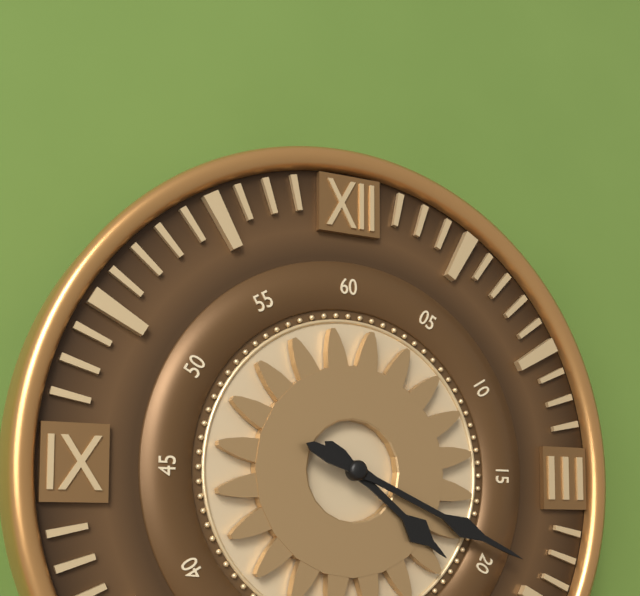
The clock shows **4:19**
